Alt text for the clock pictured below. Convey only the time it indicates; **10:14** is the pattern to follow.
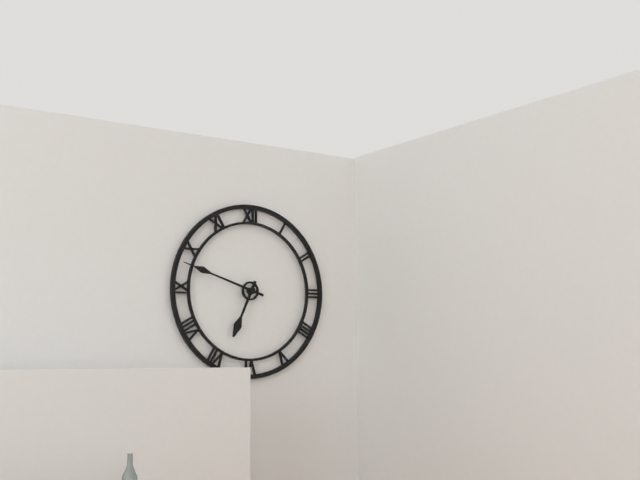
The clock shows **6:48**
